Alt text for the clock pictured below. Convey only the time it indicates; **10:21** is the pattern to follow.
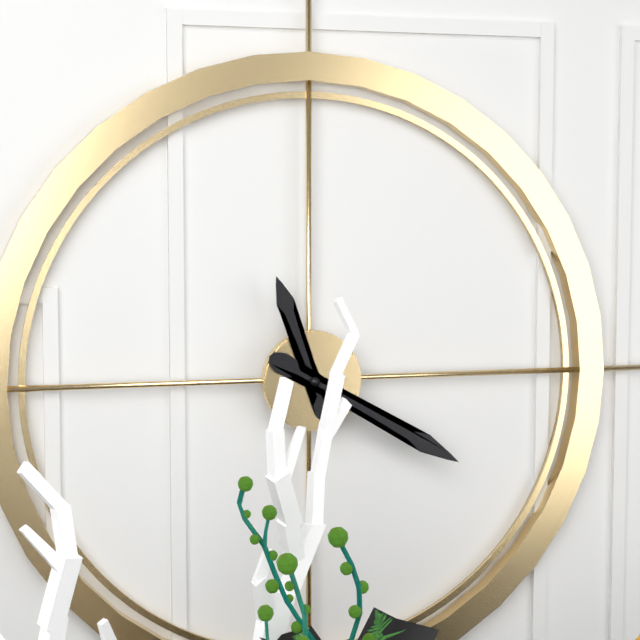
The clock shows **11:20**
